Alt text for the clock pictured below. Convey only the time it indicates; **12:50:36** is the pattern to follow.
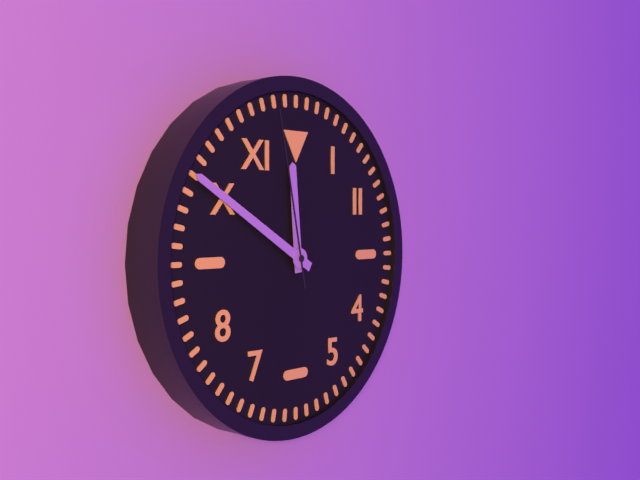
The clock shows **11:50:58**
